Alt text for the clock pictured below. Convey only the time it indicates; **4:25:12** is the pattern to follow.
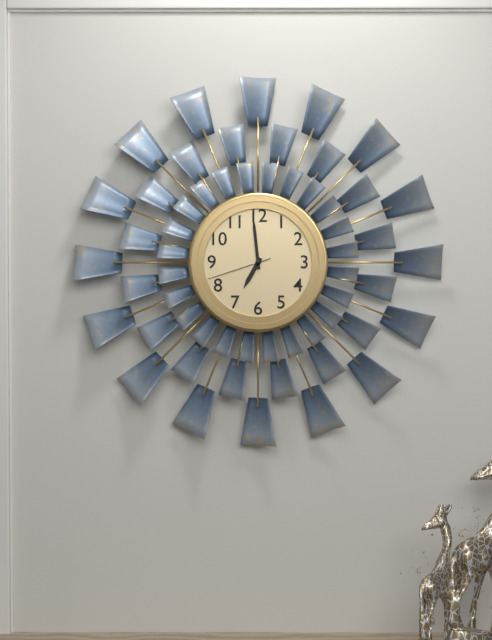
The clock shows **6:59:42**
